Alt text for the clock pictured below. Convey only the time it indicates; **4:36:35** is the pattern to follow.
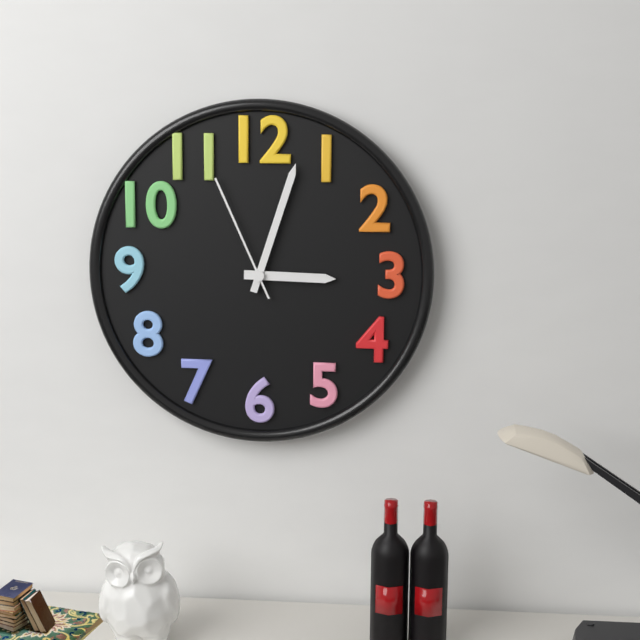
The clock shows **3:03:56**
